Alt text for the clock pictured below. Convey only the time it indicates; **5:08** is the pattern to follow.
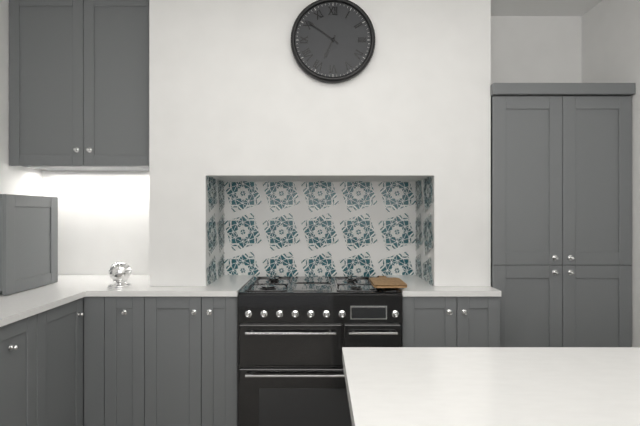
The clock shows **6:51**
